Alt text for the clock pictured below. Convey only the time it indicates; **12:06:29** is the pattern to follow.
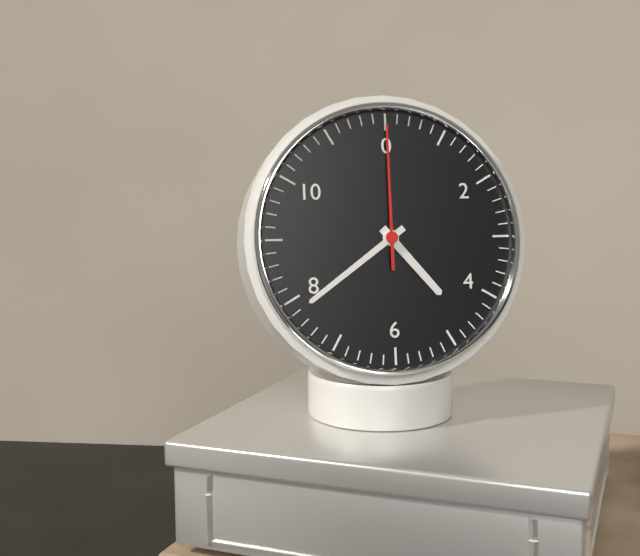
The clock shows **4:39:00**
